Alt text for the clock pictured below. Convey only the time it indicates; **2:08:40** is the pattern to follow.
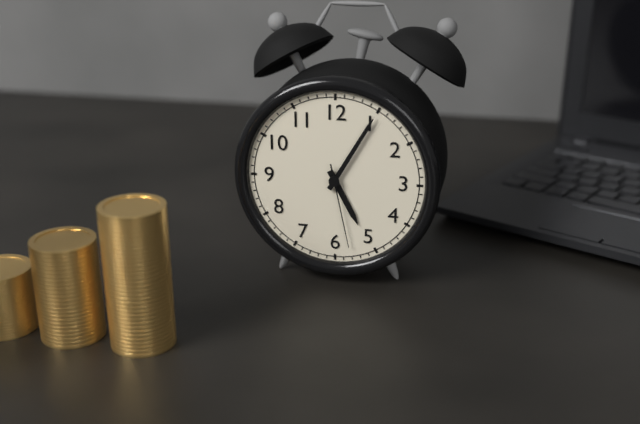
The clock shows **5:05:28**
